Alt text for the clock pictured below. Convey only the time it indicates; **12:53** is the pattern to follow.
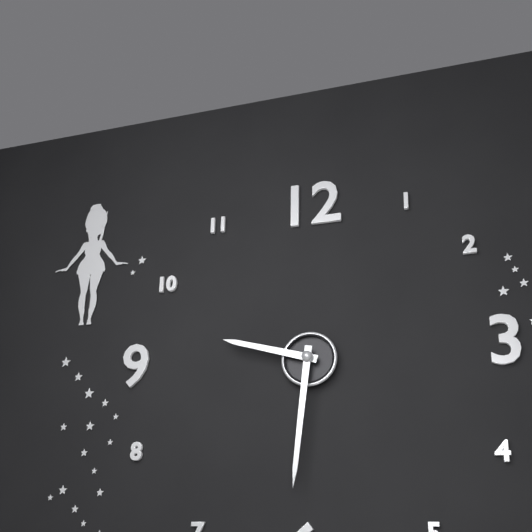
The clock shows **9:31**
